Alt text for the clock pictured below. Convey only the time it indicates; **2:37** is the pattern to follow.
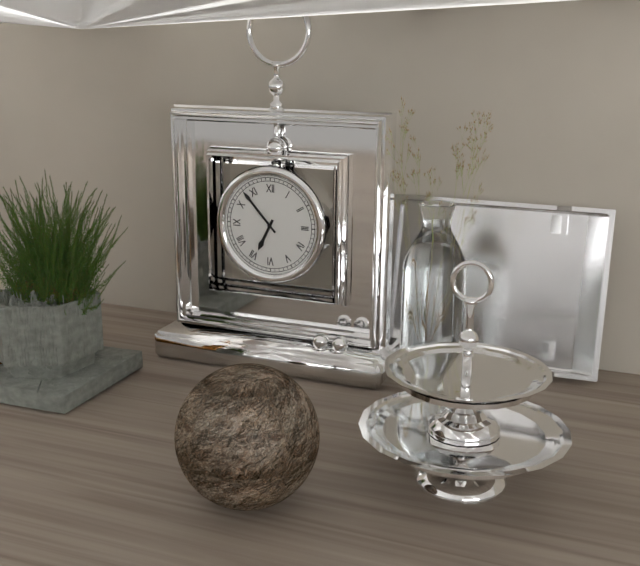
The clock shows **6:53**
